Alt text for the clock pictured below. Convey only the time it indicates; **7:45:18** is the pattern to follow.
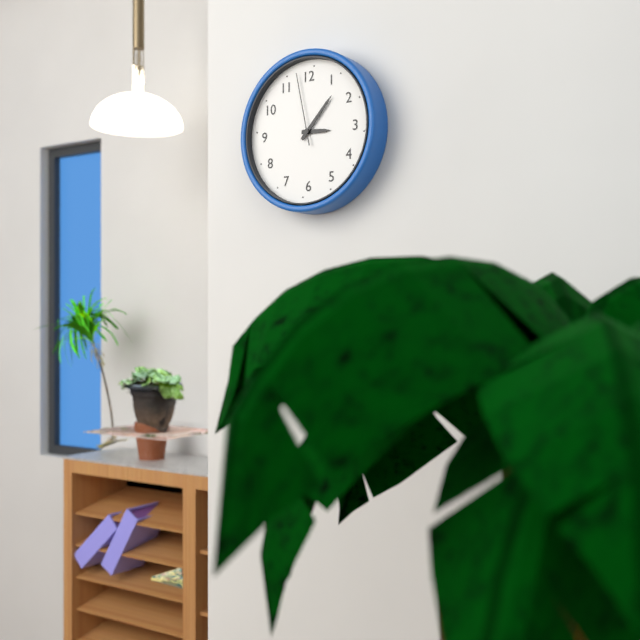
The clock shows **3:07:58**
